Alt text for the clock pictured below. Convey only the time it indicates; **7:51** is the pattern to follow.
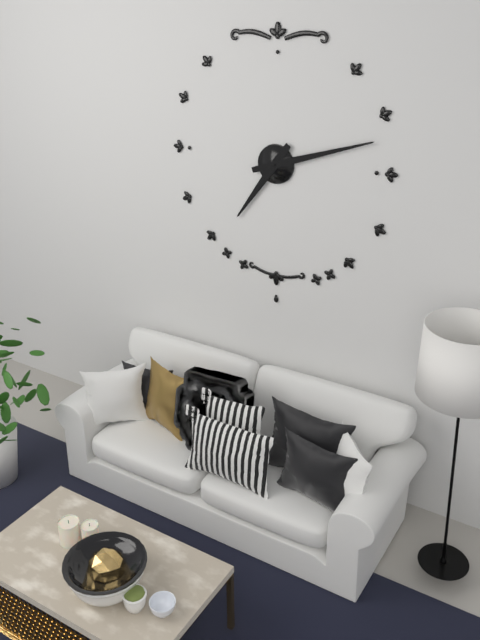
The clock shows **7:12**
